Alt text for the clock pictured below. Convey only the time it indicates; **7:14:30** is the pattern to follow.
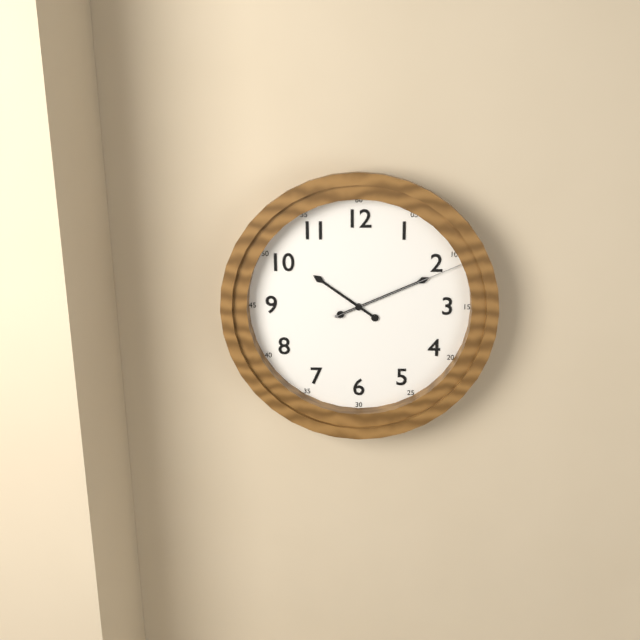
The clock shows **10:11:11**
